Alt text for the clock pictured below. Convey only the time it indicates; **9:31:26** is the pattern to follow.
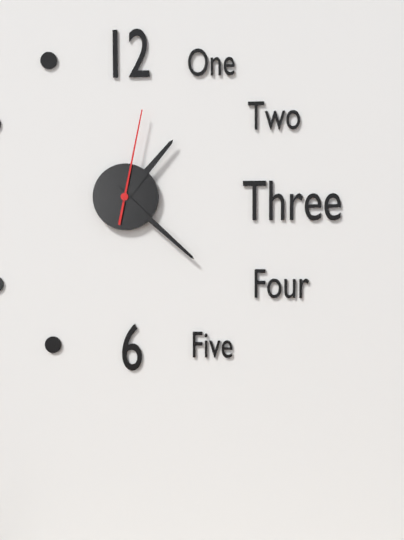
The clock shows **1:22:02**
